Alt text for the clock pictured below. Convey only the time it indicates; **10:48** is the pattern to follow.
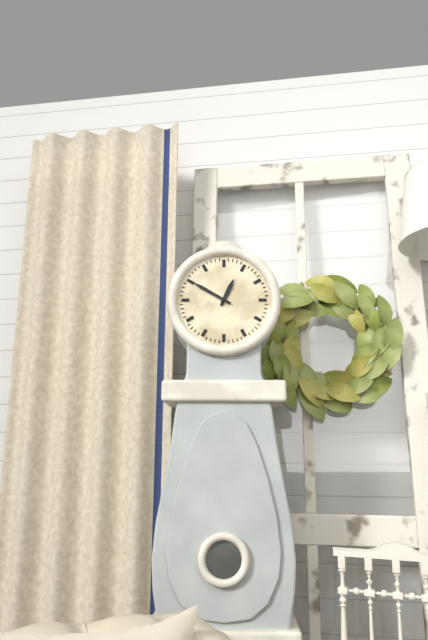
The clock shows **12:50**
